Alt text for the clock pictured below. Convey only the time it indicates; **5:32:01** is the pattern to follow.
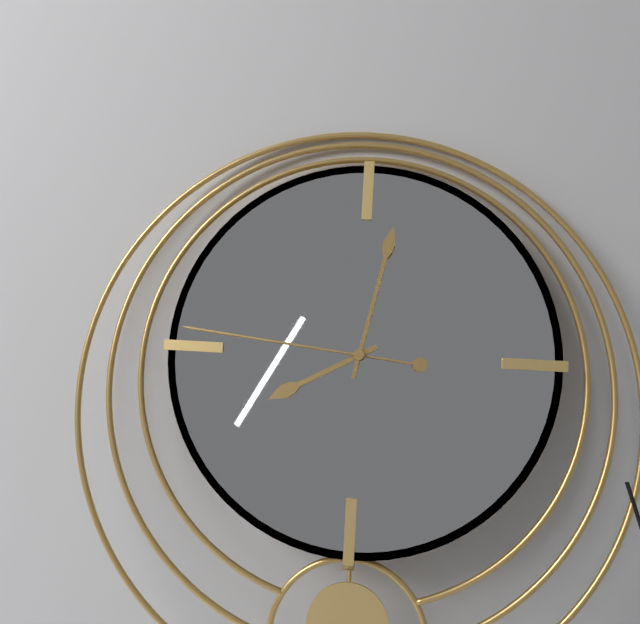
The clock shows **8:02:46**
